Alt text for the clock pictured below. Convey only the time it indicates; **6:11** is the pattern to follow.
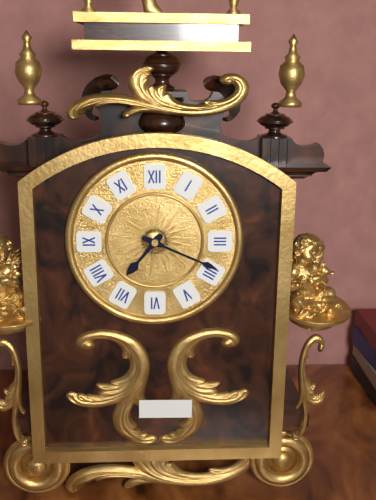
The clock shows **7:19**
